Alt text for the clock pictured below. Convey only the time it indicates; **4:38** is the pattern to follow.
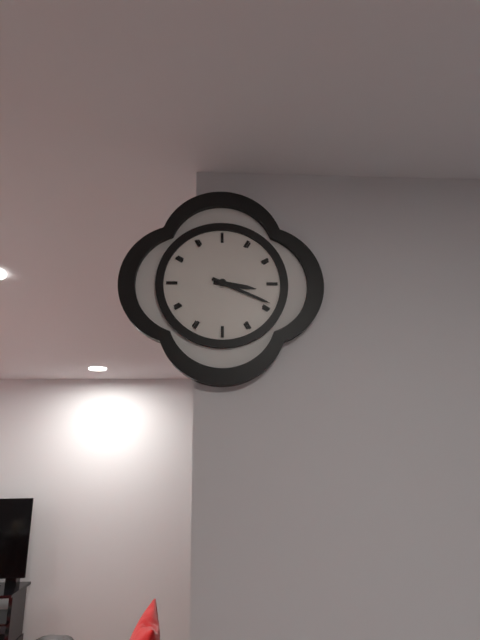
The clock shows **3:19**
